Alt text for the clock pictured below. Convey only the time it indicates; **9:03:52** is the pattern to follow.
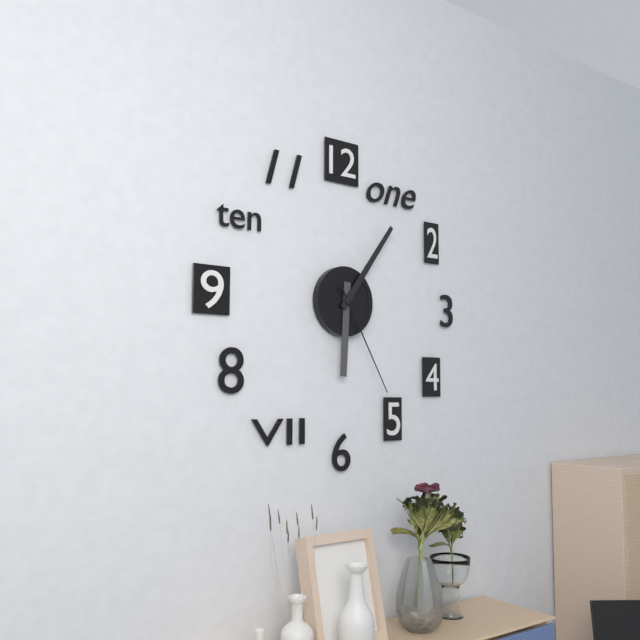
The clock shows **6:06:25**
